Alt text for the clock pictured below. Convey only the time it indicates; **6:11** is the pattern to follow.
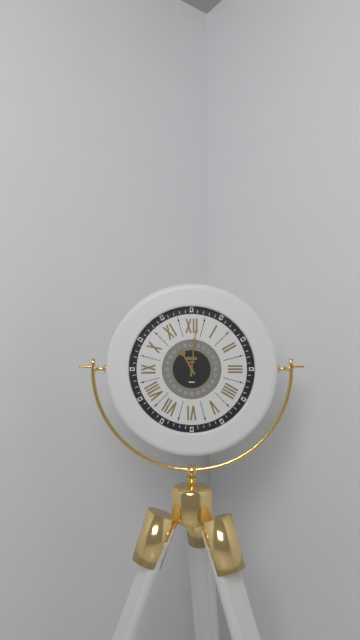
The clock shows **11:01**
